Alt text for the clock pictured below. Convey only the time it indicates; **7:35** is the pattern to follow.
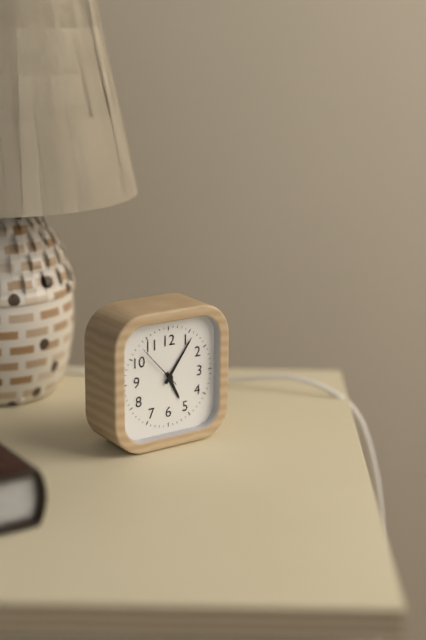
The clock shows **5:06**
